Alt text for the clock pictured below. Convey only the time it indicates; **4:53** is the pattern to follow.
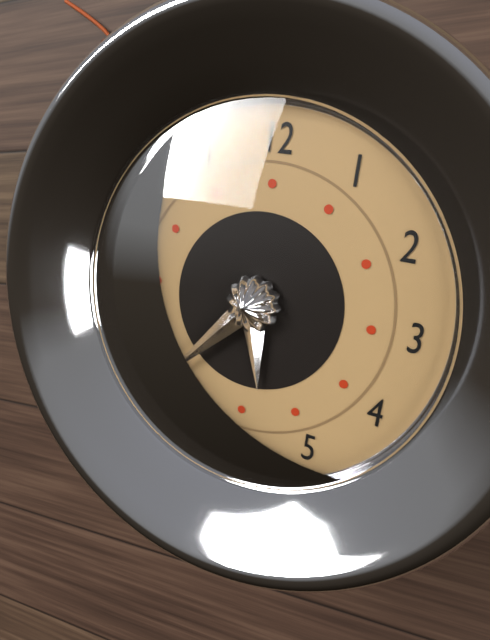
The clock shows **5:37**
